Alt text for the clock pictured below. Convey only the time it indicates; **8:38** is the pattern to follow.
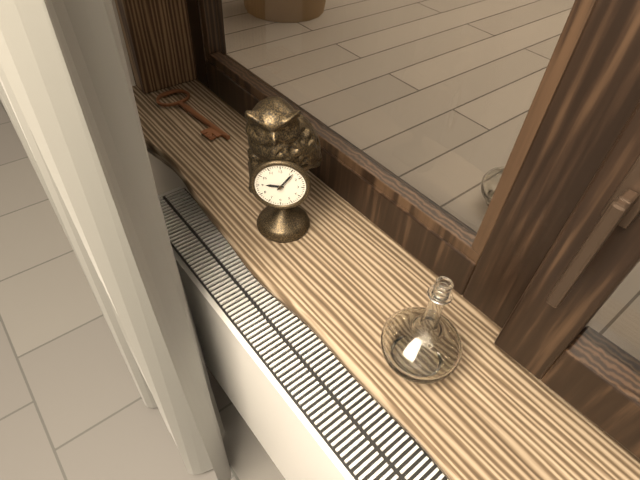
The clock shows **9:06**
